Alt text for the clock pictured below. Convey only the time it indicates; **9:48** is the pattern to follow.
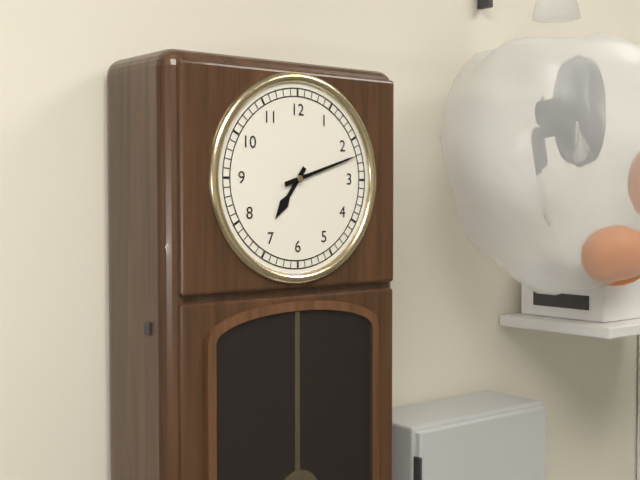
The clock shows **7:12**
